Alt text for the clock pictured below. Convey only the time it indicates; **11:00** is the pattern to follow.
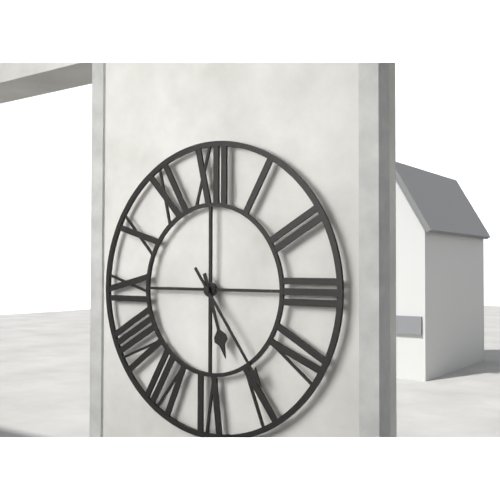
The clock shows **5:24**
